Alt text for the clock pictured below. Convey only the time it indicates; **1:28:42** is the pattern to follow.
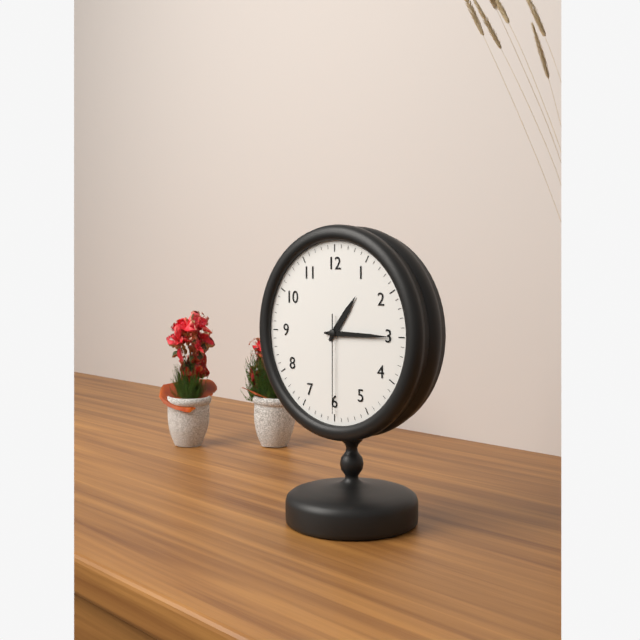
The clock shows **1:15:30**
